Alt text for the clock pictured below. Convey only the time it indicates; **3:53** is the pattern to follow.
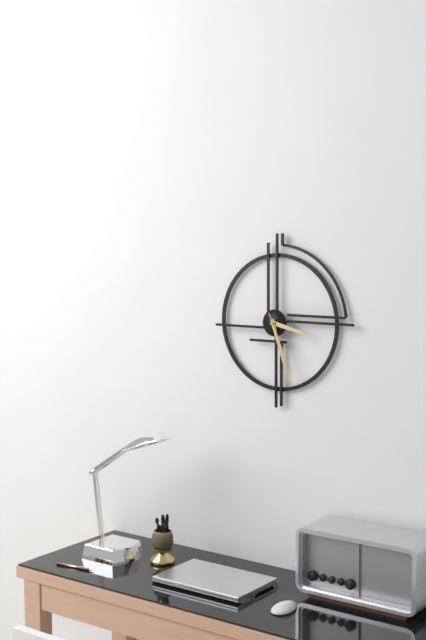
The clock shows **3:27**
